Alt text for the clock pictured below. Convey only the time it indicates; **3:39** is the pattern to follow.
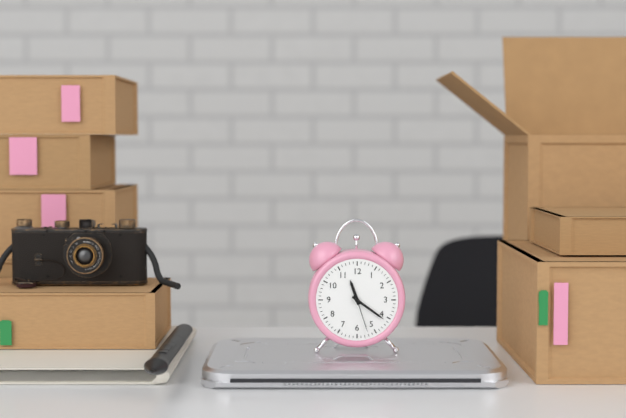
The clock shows **11:21**
